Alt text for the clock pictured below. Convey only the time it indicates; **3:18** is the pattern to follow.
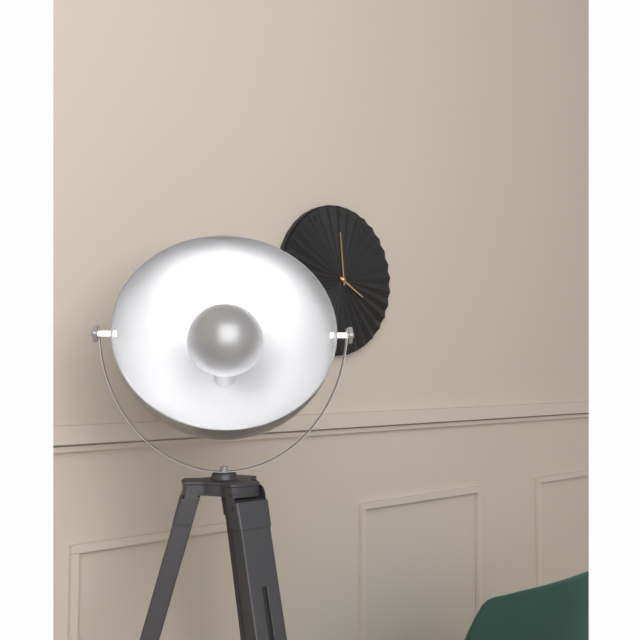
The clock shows **3:59**
